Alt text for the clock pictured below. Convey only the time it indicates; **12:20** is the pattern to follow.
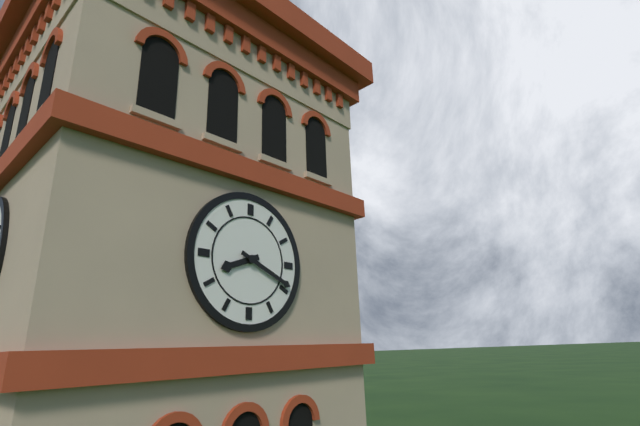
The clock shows **8:19**
